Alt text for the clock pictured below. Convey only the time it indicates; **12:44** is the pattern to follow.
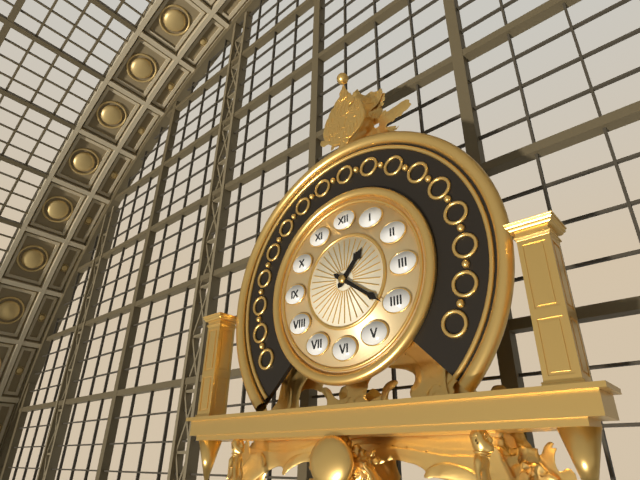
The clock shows **1:21**
